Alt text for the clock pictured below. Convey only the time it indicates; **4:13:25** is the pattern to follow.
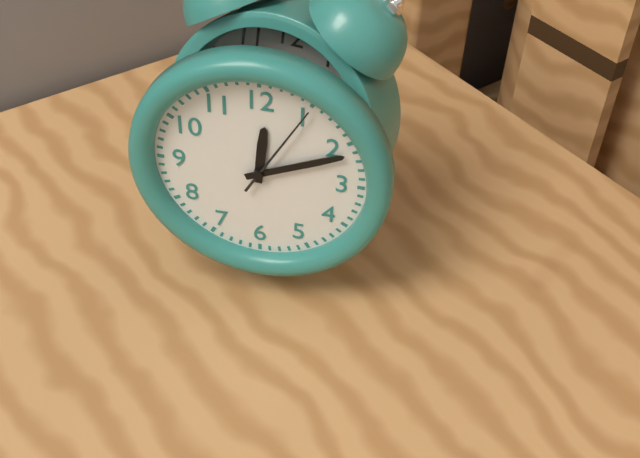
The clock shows **12:11:05**
